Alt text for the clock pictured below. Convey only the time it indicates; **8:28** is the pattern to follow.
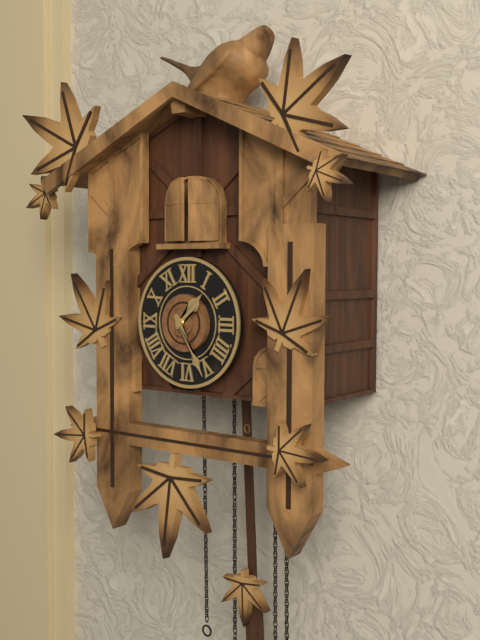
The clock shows **1:25**
